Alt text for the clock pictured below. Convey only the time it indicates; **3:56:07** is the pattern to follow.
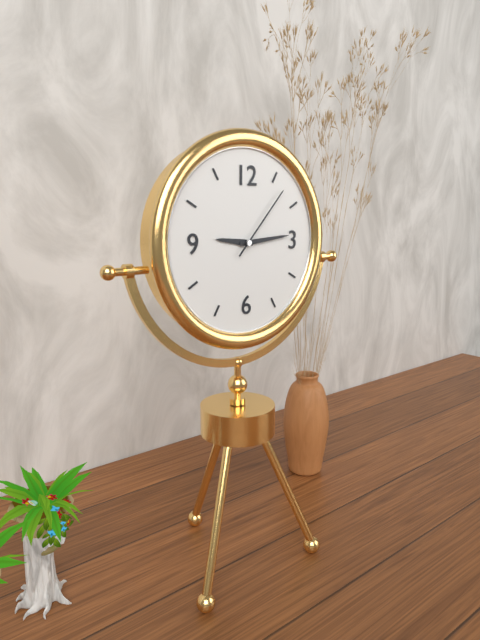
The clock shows **9:14:07**
